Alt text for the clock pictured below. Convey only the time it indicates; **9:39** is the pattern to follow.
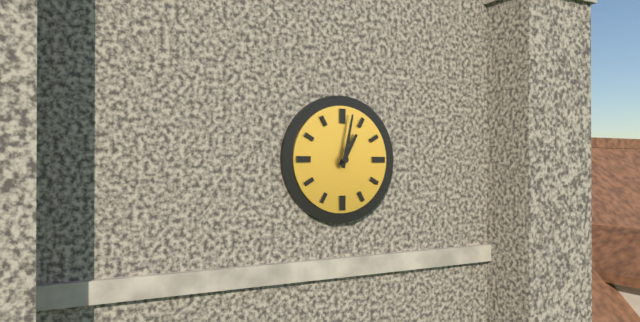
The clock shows **1:02**
